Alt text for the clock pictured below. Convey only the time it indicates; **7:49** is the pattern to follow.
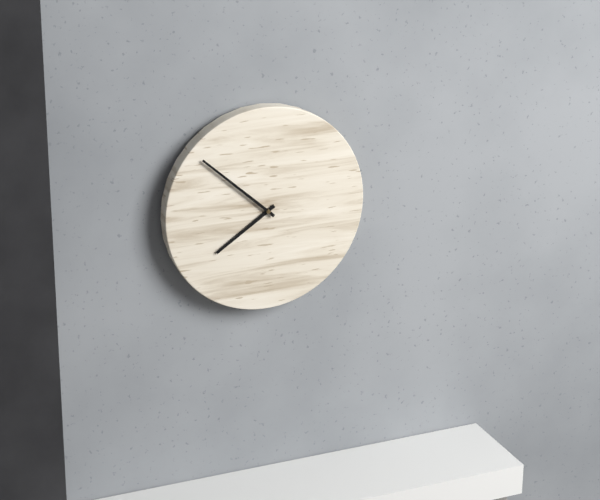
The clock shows **7:52**
